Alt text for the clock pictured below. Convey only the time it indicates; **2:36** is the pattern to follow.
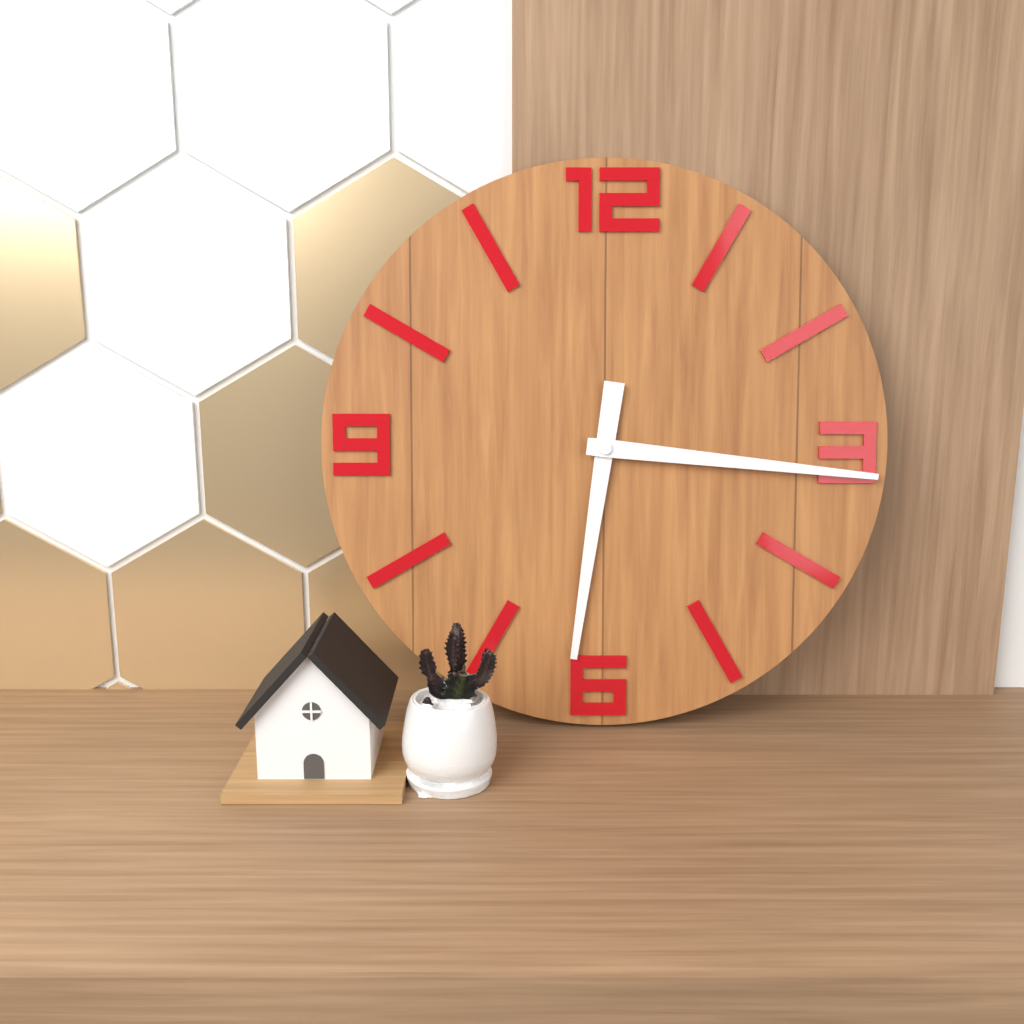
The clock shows **6:16**
